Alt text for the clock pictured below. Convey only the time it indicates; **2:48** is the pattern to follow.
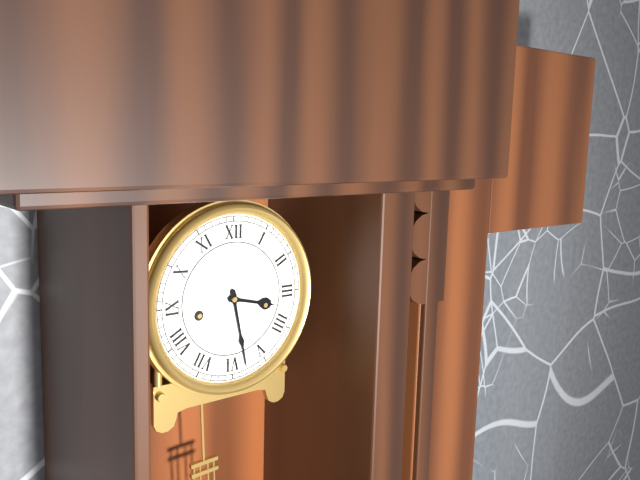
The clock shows **3:28**
